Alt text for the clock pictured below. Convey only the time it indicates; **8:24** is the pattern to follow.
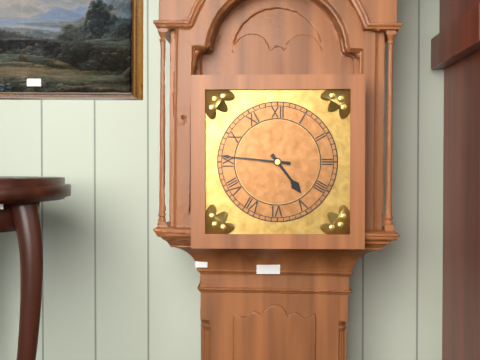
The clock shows **4:46**
